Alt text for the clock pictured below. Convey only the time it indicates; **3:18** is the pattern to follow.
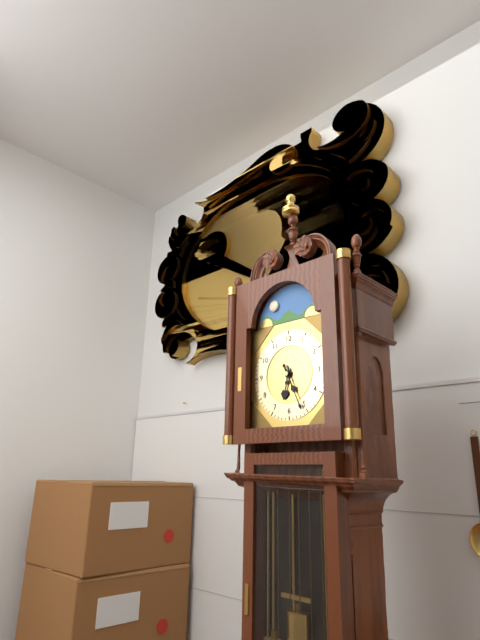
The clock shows **6:26**
